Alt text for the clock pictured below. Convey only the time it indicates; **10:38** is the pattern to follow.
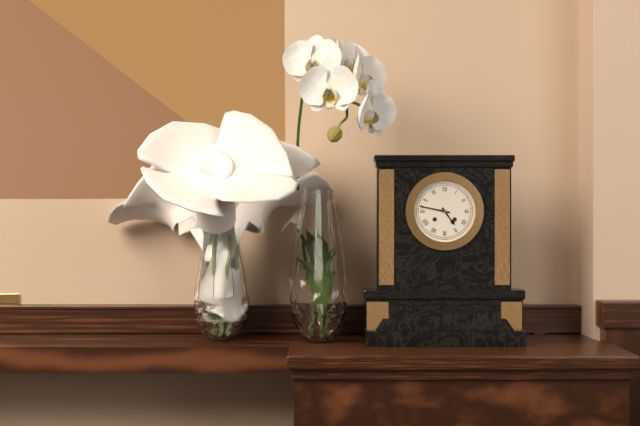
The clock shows **4:47**
